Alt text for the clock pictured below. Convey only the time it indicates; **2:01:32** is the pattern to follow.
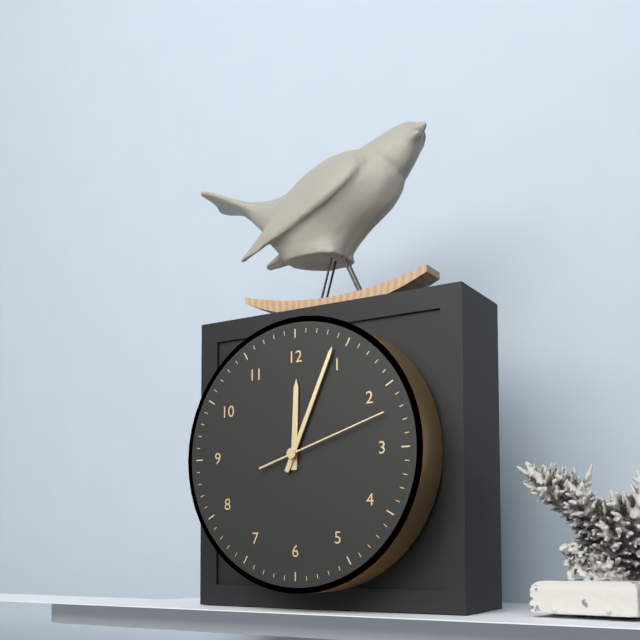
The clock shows **12:04:12**
